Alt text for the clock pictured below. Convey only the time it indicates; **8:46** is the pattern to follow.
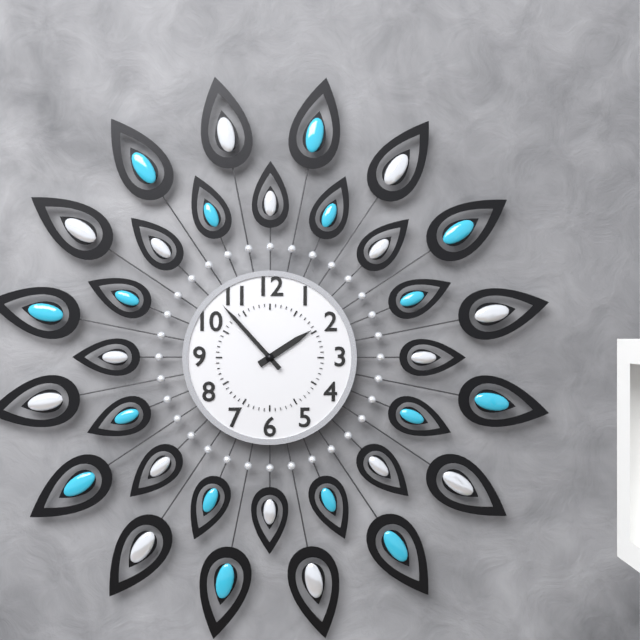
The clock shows **1:53**
